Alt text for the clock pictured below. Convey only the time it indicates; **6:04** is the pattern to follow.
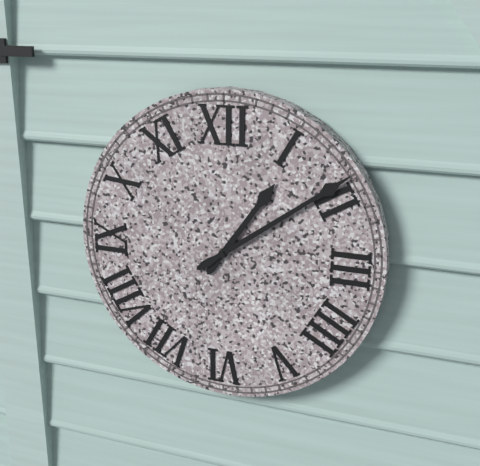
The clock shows **1:09**
